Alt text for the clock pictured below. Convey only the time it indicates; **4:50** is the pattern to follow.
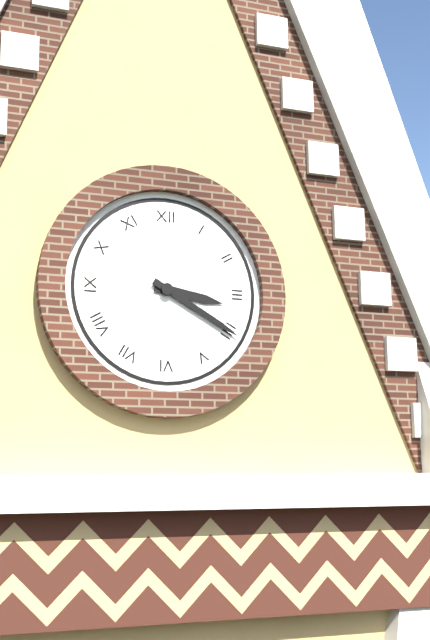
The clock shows **3:20**
